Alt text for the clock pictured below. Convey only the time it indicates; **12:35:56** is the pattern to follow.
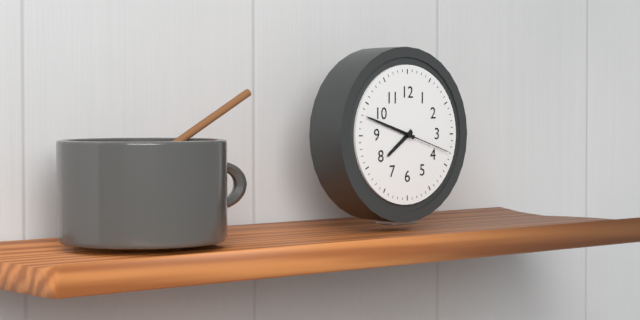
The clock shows **7:48:18**
